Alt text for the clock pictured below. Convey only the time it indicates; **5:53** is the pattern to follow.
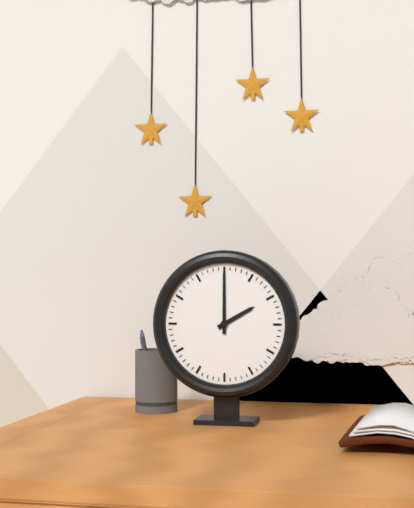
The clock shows **2:00**
